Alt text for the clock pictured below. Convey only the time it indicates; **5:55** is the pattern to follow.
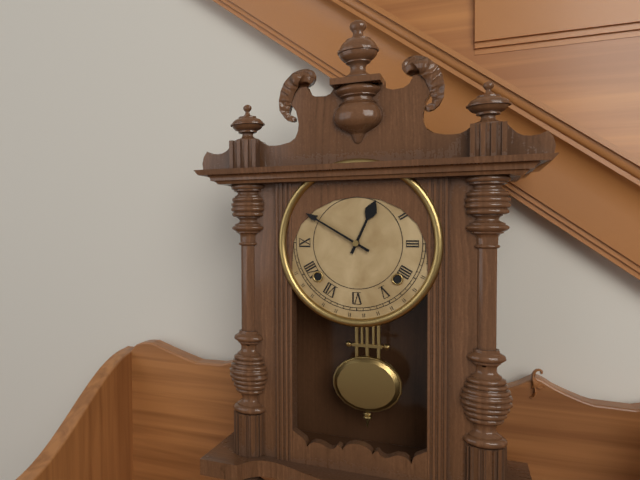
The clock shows **12:50**
